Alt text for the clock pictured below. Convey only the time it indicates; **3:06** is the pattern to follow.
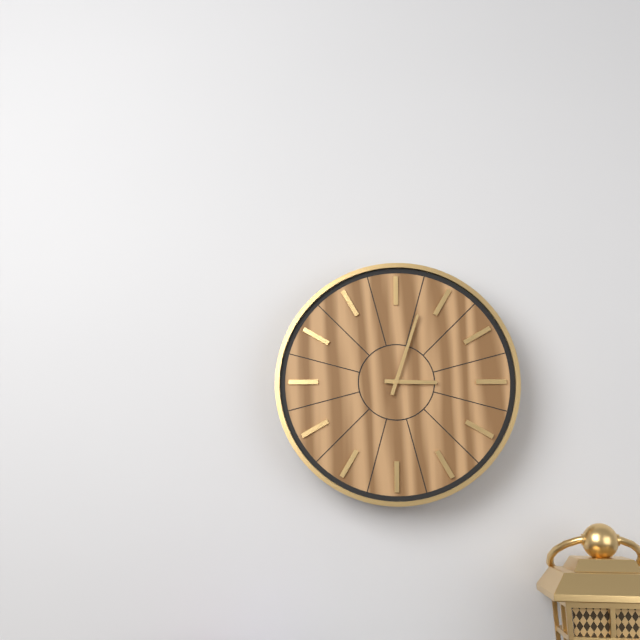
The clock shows **3:03**
